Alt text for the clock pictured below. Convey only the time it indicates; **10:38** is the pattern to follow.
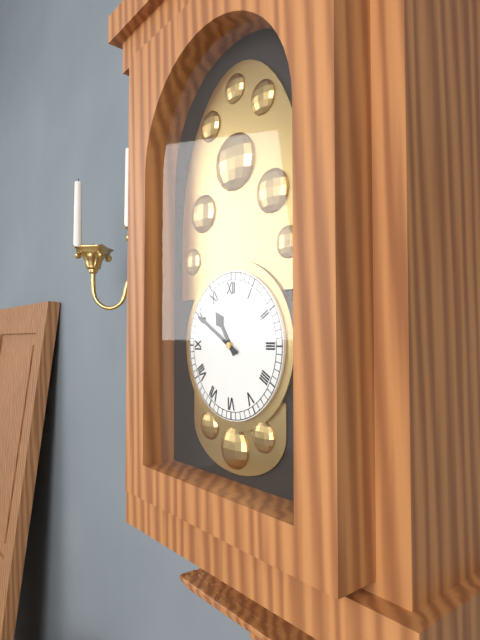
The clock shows **10:50**
